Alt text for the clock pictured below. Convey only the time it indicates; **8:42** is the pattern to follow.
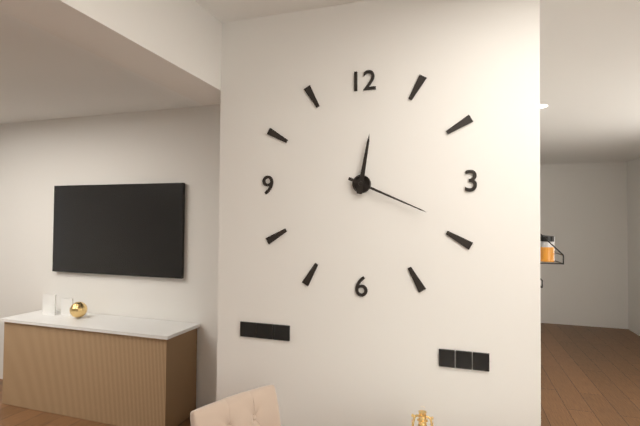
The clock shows **12:19**
